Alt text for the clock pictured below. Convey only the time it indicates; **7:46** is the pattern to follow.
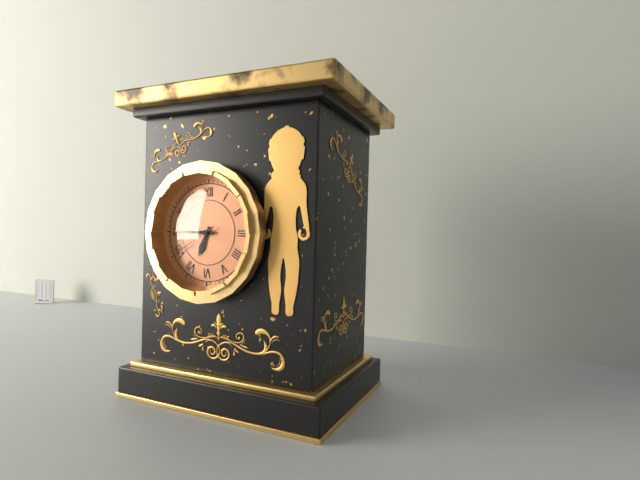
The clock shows **6:45**
